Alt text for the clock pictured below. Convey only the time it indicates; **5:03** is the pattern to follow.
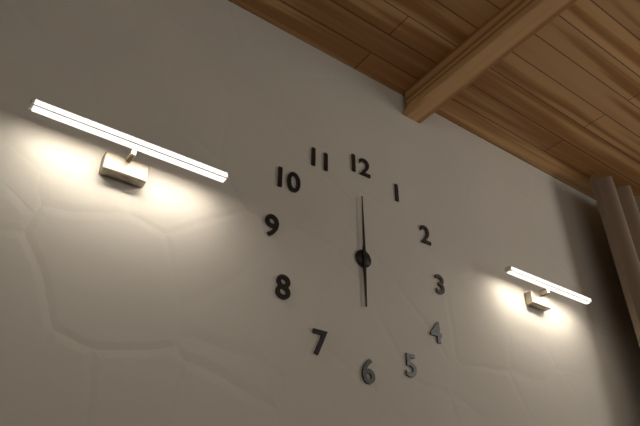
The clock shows **6:00**
